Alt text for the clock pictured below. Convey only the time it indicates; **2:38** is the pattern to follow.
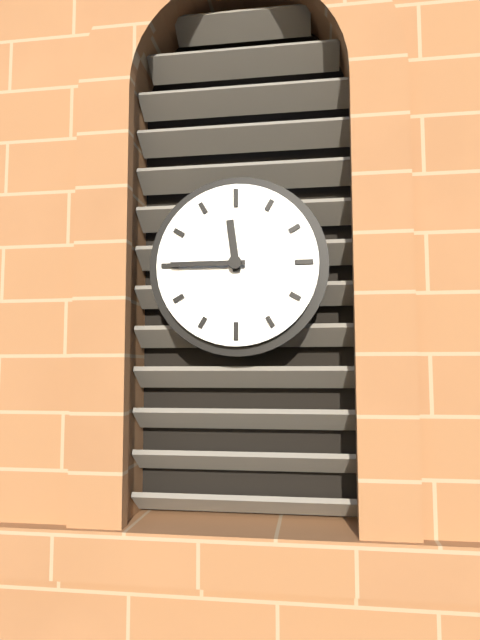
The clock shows **11:45**
